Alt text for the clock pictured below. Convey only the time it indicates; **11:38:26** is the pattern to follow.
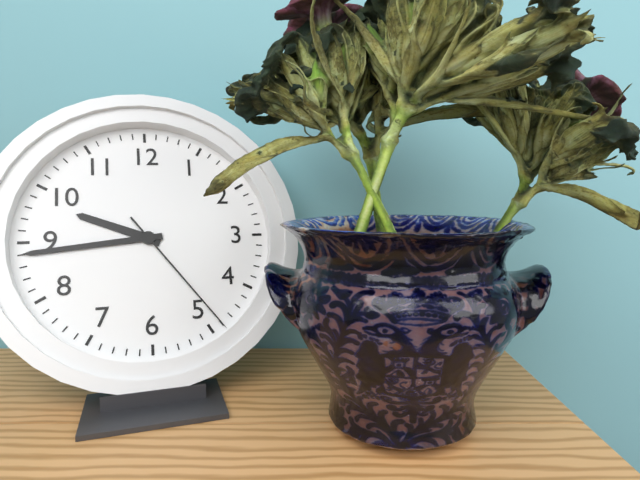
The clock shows **9:44:24**
